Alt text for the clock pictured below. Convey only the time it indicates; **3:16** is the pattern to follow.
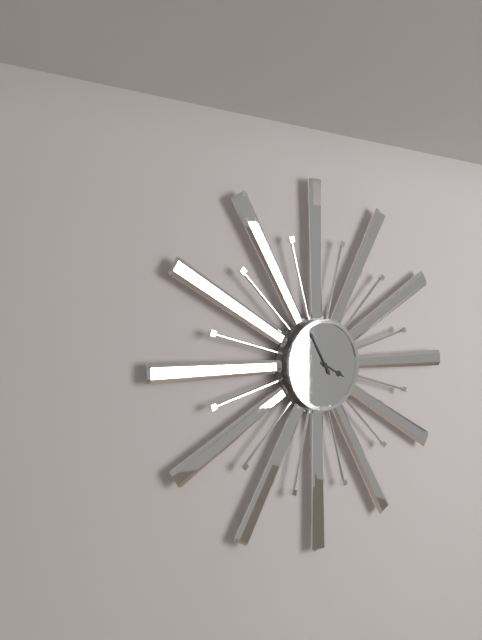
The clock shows **3:55**
